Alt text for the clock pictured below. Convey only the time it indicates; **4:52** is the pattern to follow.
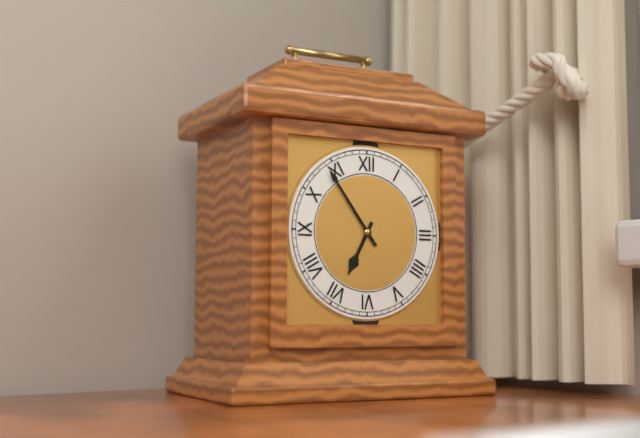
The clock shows **6:54**
